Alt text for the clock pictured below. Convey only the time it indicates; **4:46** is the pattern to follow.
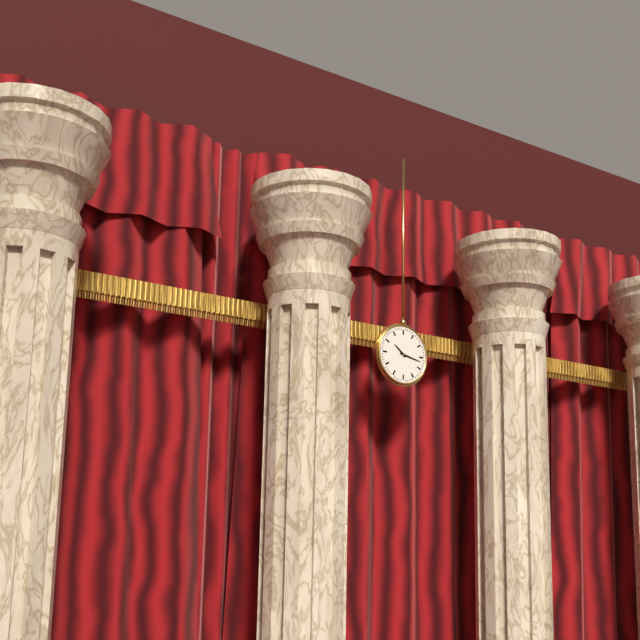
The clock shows **10:17**
